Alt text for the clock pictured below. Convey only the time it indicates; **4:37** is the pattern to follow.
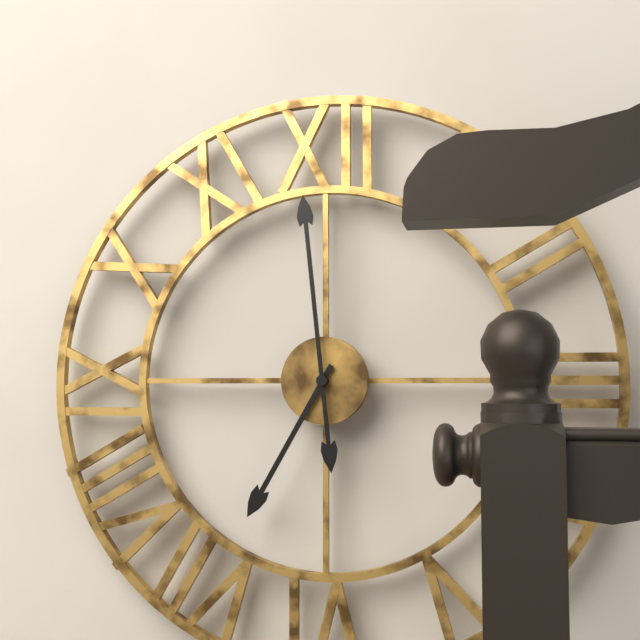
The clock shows **6:59**
